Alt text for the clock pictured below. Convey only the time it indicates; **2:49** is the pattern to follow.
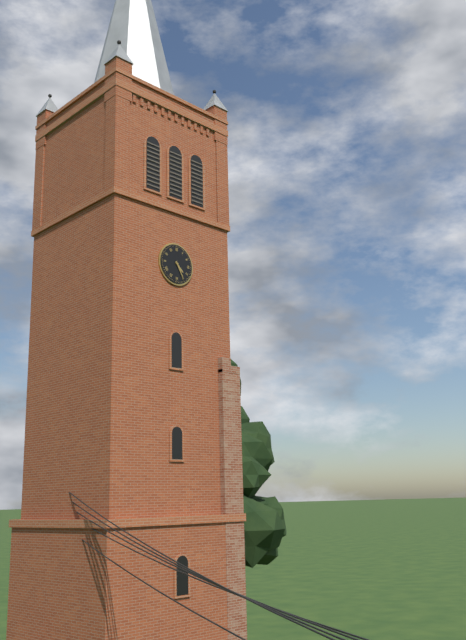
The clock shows **4:25**
